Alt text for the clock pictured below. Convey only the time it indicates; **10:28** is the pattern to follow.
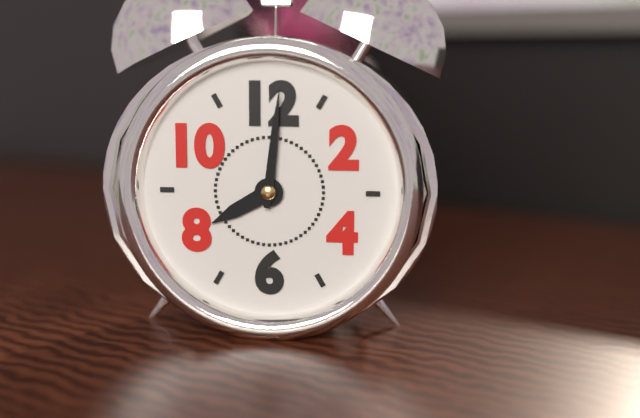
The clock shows **8:01**
